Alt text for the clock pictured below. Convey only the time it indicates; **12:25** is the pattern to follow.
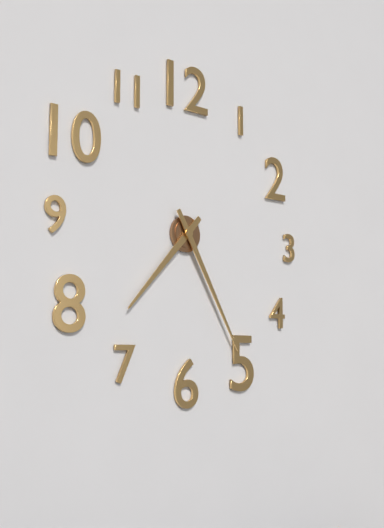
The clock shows **7:25**
